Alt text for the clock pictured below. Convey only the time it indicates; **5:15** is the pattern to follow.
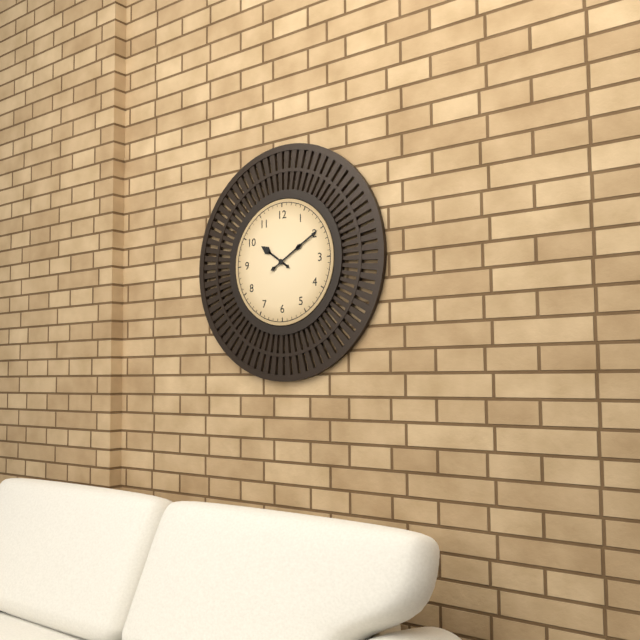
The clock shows **10:10**
